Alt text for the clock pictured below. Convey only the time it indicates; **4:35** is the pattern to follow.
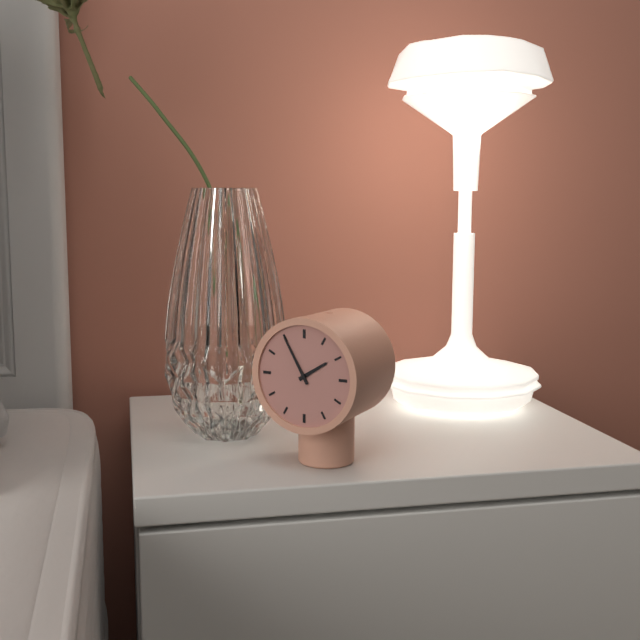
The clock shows **1:55**
